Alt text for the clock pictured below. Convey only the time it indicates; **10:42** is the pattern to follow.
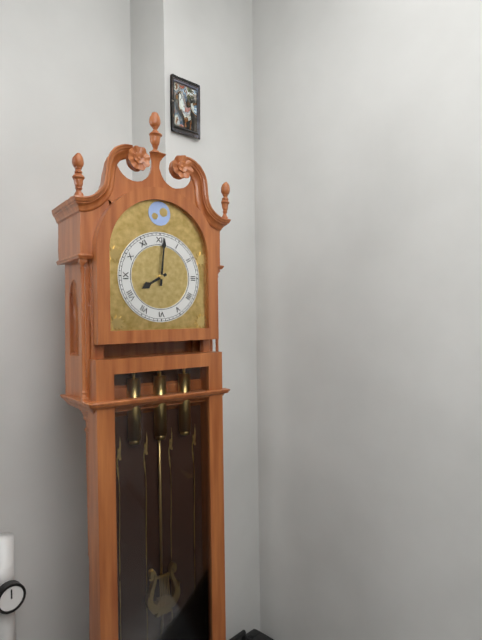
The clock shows **8:01**
